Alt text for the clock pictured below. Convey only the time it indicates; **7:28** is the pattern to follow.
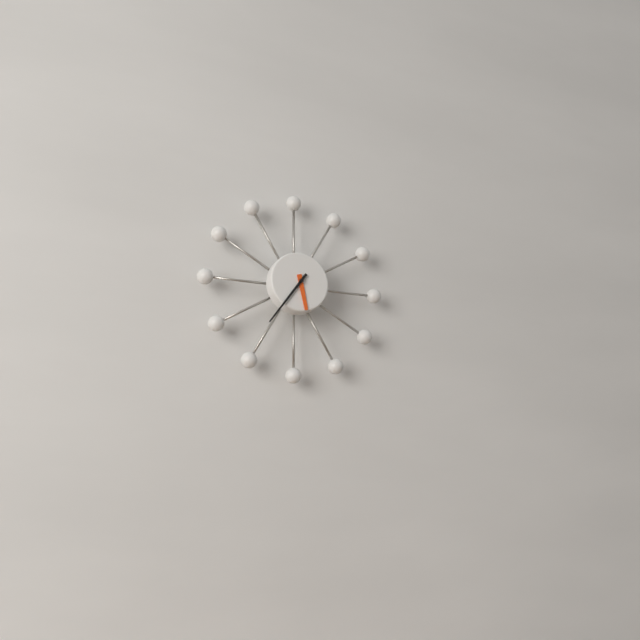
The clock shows **5:36**
